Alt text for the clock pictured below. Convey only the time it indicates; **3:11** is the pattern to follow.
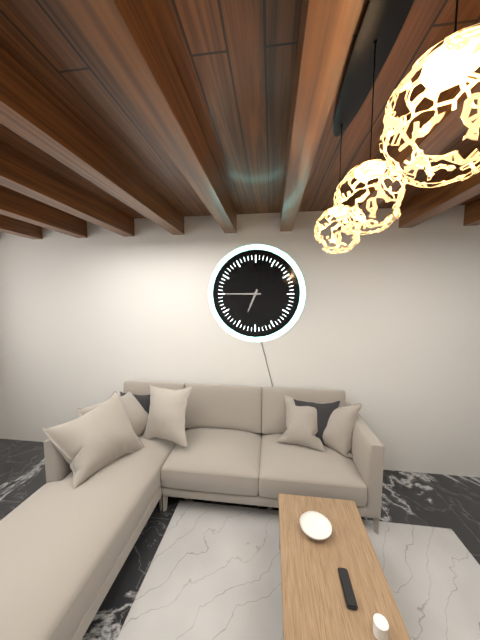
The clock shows **6:45**
